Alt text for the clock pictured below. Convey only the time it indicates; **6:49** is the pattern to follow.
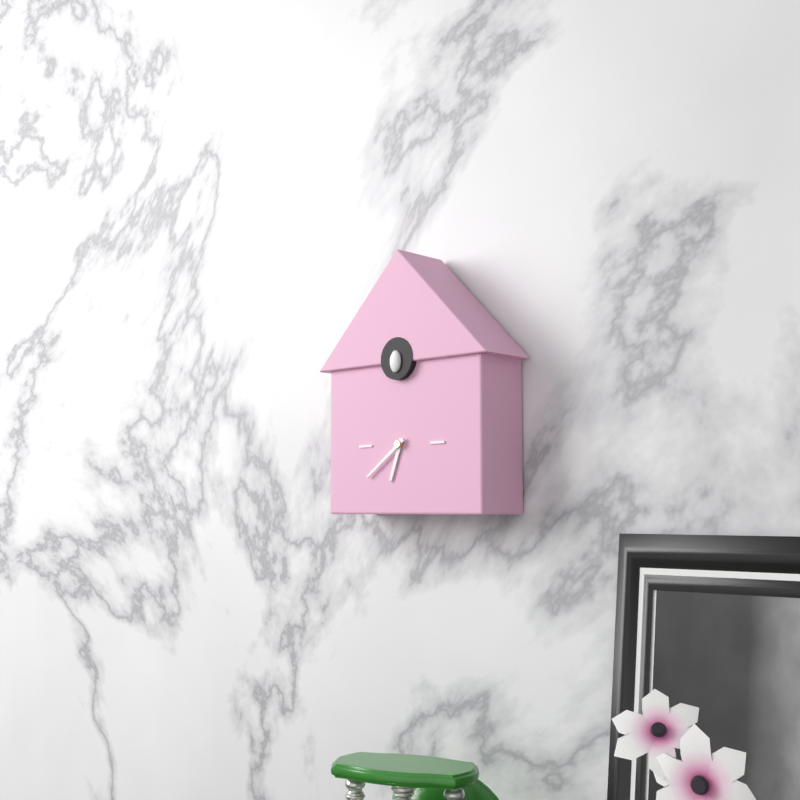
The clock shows **6:39**
